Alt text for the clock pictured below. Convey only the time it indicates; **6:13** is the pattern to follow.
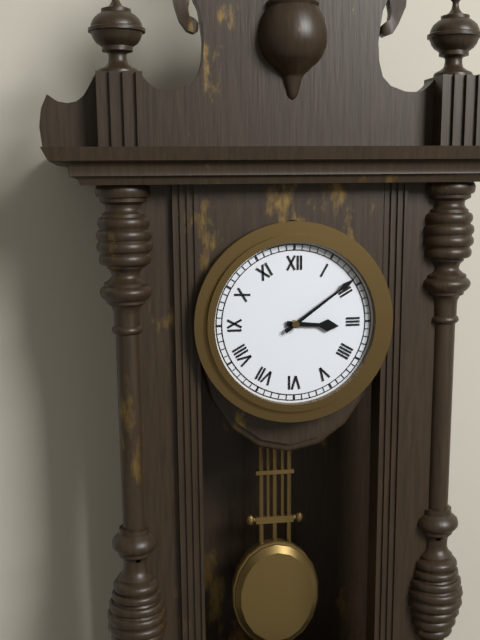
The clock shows **3:09**
